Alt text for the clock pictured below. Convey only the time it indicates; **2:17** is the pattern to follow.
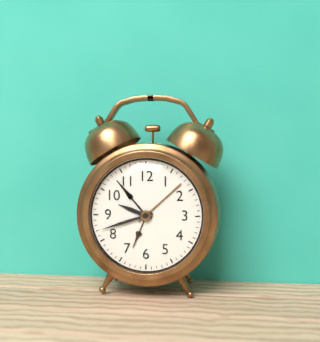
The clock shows **9:42**
